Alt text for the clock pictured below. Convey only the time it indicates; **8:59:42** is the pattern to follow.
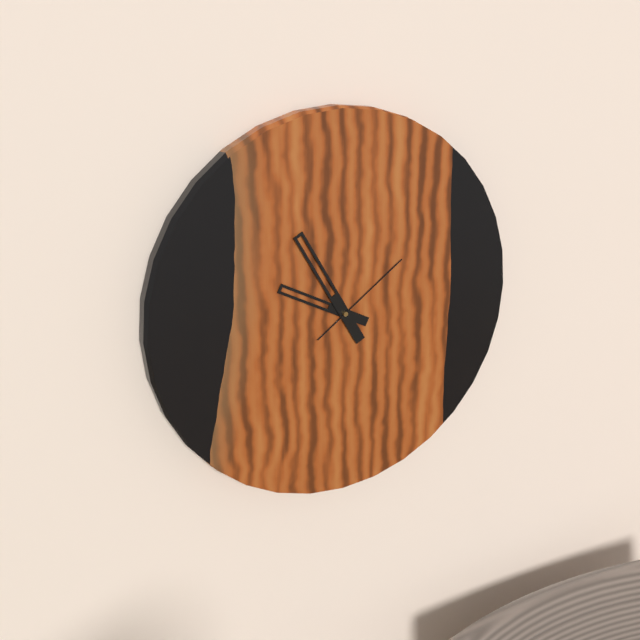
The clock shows **9:55:09**
